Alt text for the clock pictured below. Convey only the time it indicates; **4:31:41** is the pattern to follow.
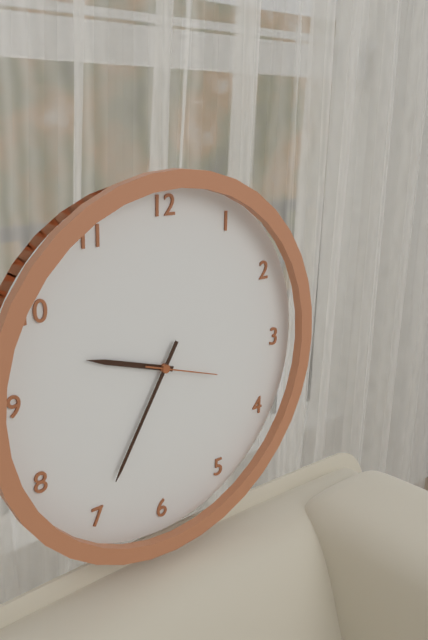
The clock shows **9:35:18**
